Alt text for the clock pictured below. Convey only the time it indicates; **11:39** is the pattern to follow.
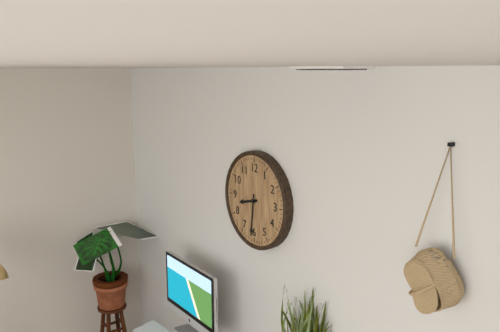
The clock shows **8:31**
